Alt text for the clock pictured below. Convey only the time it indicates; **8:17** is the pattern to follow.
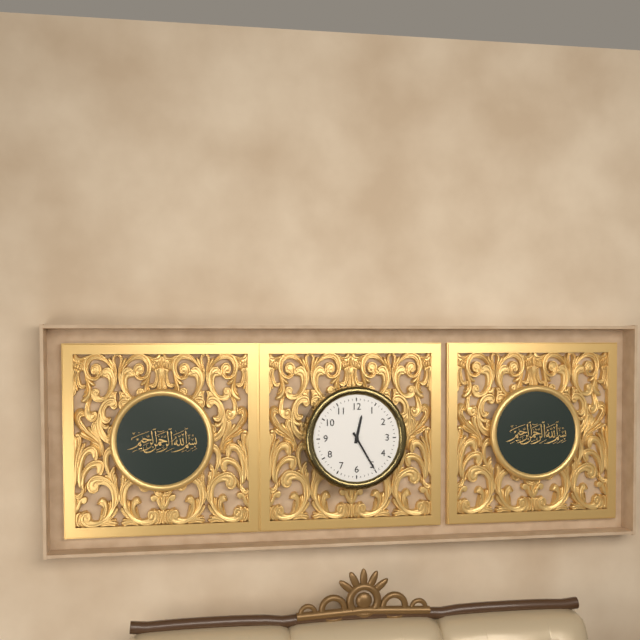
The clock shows **12:25**
